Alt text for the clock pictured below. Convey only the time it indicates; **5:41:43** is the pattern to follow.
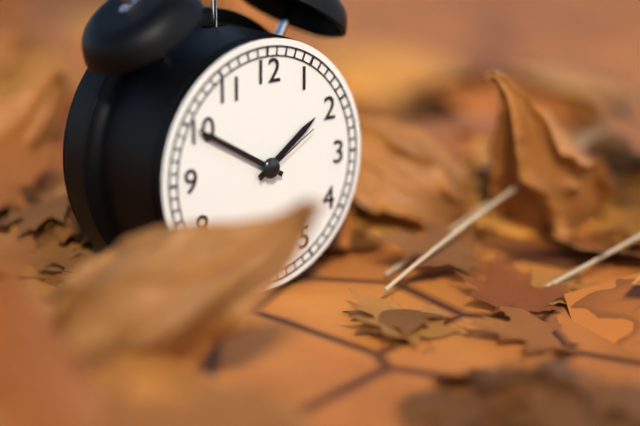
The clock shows **1:50:10**
